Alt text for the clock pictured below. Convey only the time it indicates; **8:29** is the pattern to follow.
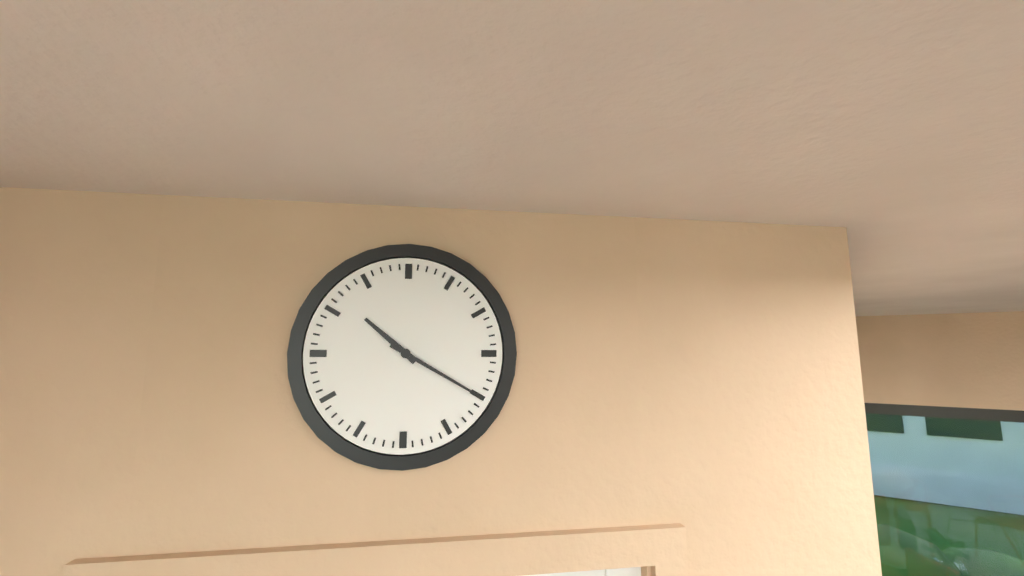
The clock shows **10:20**
